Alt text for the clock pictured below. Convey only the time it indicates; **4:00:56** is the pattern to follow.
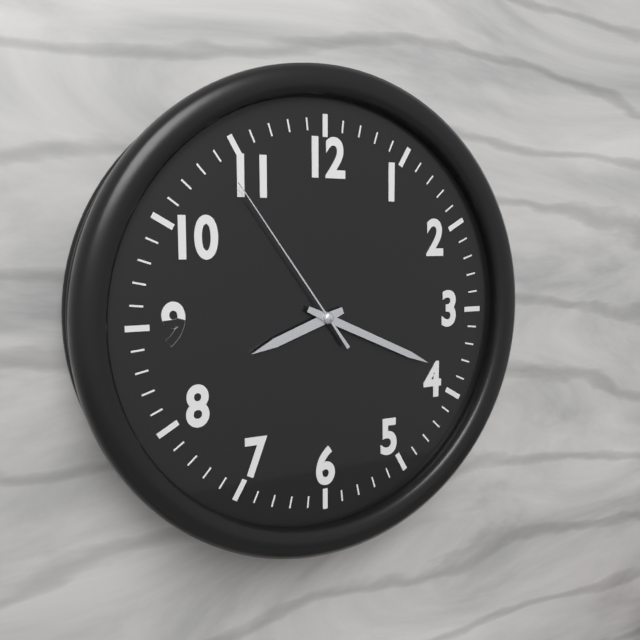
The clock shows **8:19:54**
